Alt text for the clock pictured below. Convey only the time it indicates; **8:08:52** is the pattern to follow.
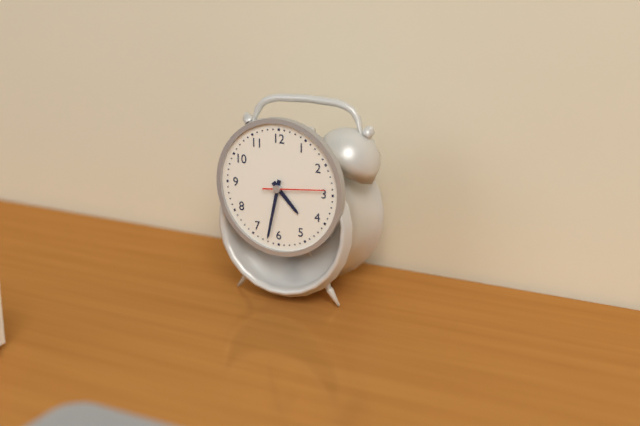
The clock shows **4:32:14**
